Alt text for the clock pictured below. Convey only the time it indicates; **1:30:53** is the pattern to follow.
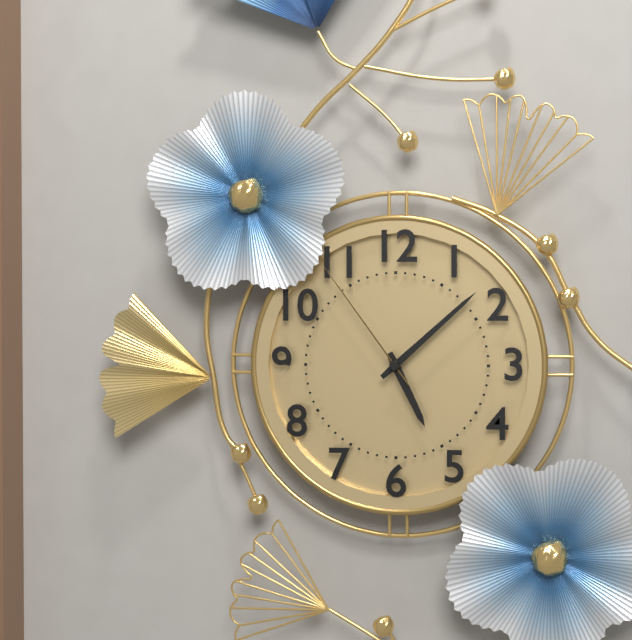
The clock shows **5:08:54**
